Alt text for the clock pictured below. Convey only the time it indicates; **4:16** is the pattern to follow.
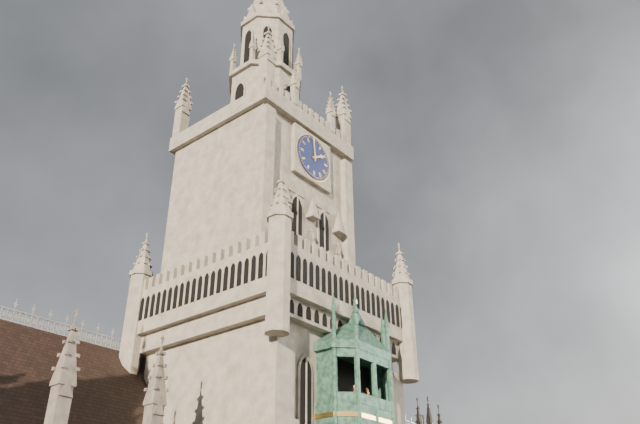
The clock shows **1:59**
